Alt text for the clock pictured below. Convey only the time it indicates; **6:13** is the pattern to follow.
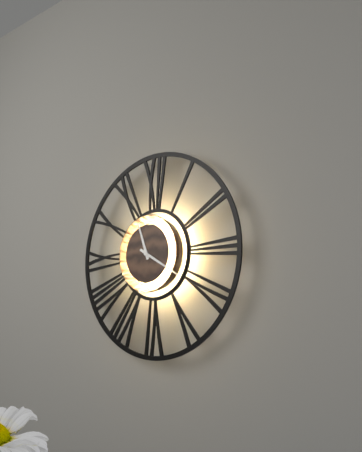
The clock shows **11:20**
